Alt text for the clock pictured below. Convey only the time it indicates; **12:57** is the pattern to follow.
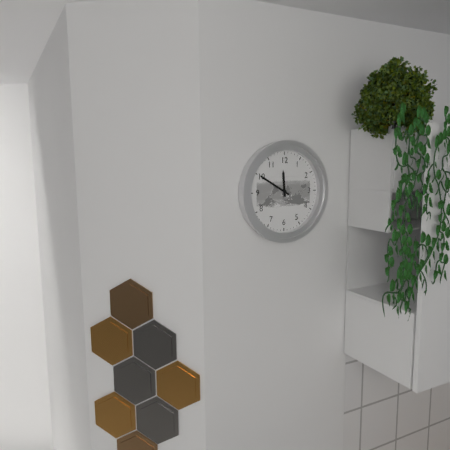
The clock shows **11:50**
